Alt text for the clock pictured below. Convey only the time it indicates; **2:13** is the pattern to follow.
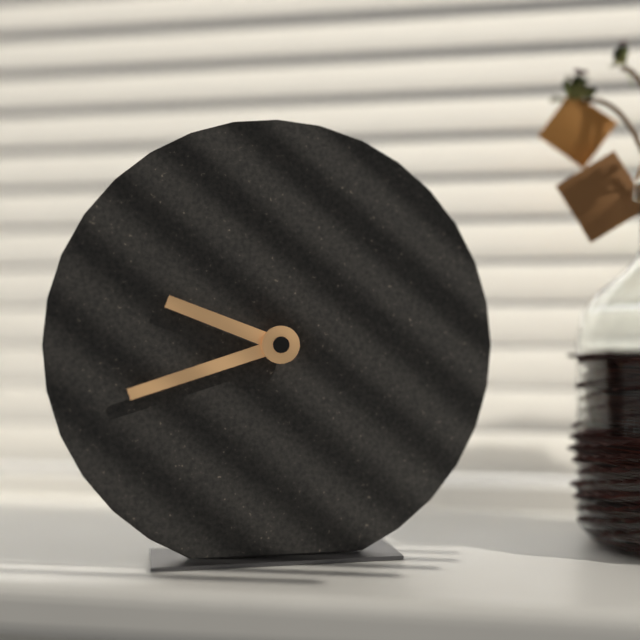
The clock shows **9:42**
